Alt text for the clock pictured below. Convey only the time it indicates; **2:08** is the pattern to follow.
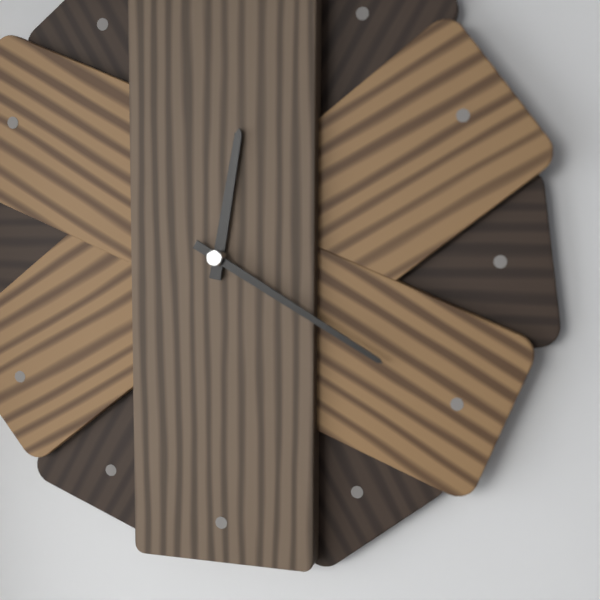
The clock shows **12:20**
